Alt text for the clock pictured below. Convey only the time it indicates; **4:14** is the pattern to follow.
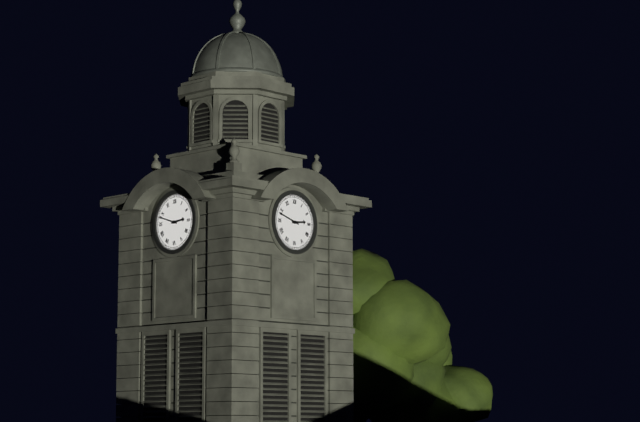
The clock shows **2:48**
